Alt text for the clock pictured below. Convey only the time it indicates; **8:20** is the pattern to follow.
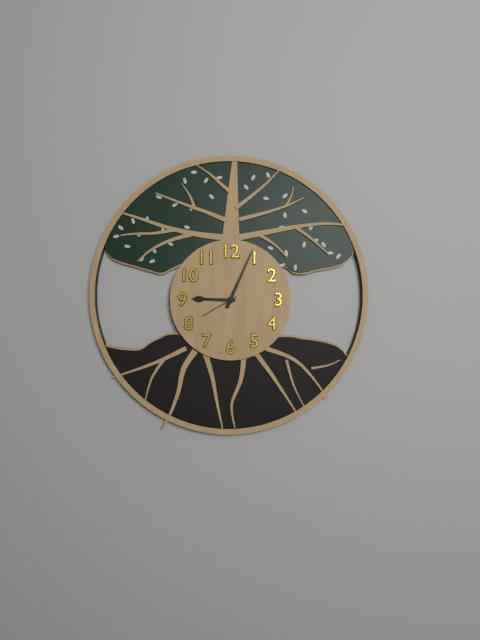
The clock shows **9:04**
